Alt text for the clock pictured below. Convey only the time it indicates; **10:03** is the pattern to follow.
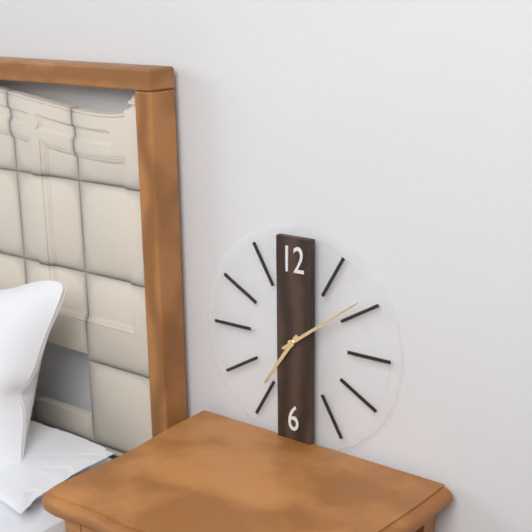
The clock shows **7:09**
